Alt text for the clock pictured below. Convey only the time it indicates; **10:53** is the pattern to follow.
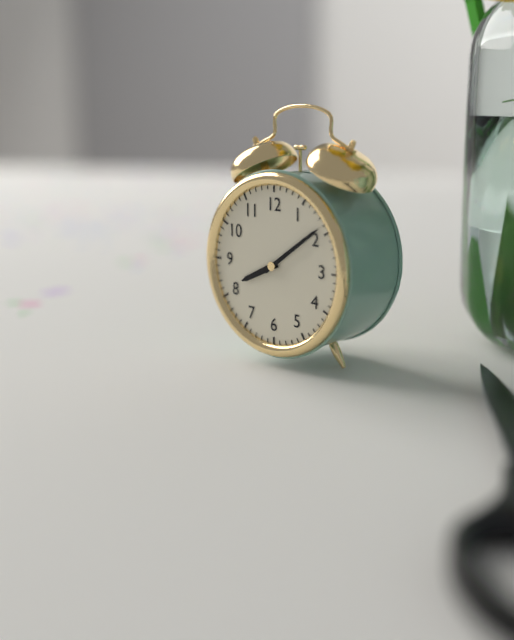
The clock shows **8:09**
